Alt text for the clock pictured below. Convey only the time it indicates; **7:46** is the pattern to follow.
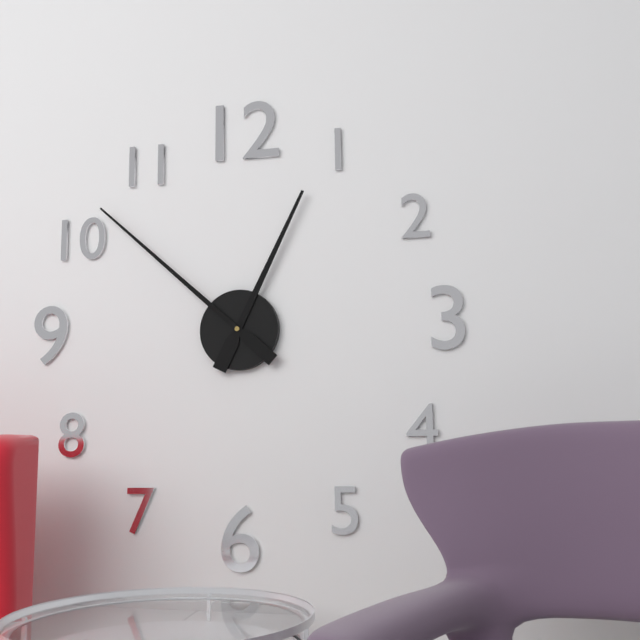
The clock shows **12:52**
